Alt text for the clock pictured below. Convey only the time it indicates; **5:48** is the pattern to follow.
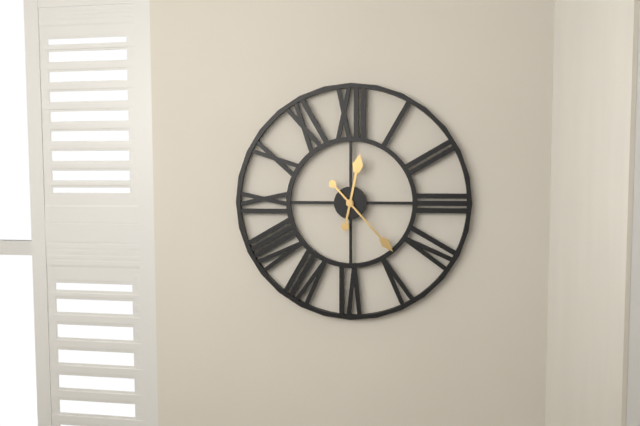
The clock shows **12:23**
